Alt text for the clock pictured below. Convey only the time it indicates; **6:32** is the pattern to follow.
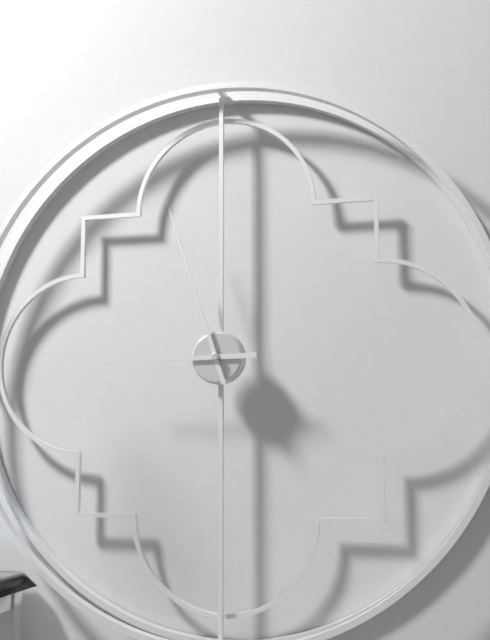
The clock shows **8:57**
